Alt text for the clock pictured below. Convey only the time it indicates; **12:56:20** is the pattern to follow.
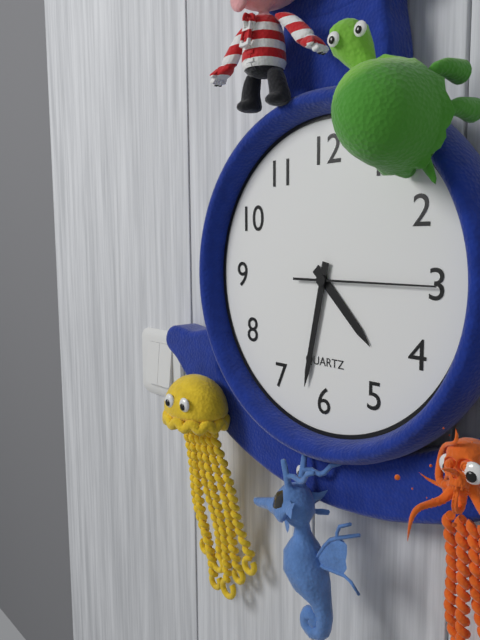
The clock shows **4:32:15**
